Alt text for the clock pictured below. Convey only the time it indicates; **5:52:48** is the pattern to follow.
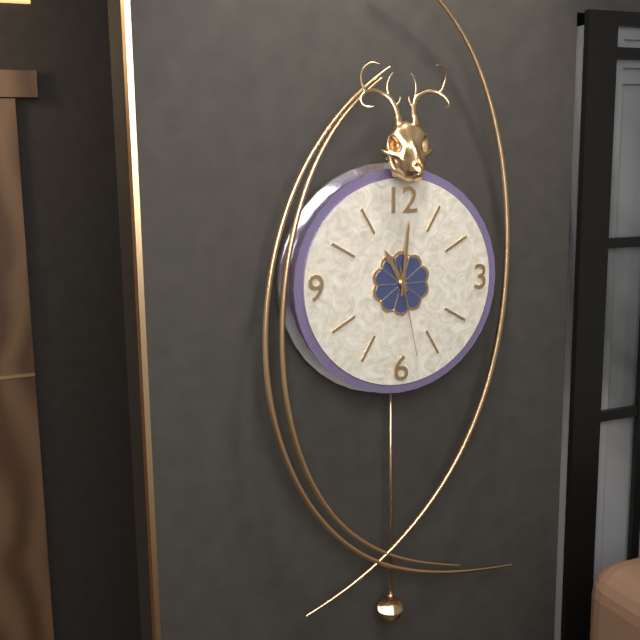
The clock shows **11:01:28**
